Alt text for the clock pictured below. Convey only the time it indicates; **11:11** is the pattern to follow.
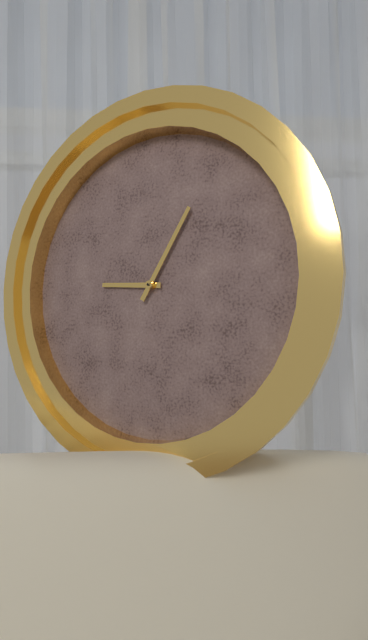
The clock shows **9:05**
